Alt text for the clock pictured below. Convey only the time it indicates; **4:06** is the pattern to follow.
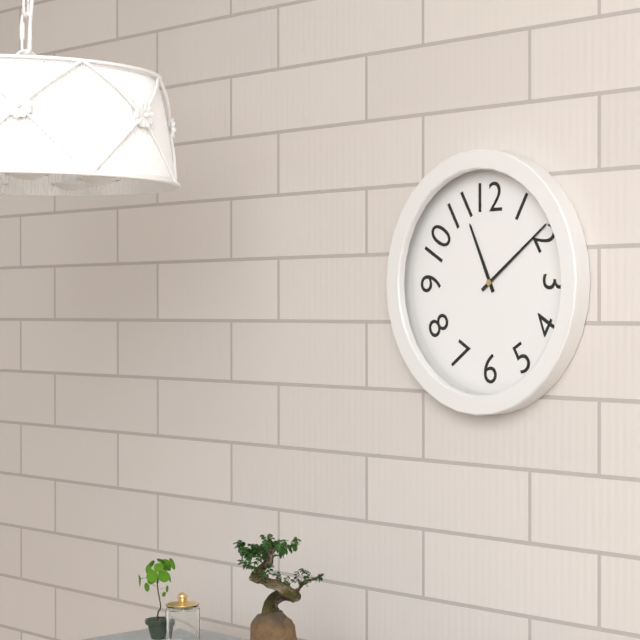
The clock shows **11:09**
